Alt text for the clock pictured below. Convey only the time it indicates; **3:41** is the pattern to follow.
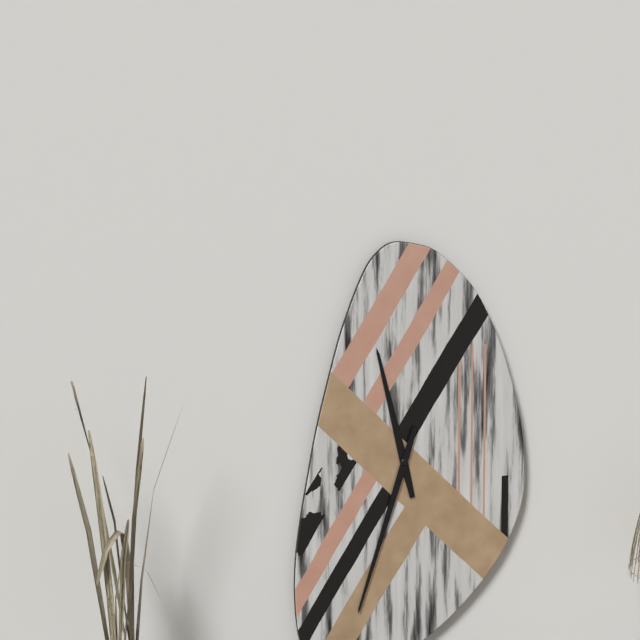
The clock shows **11:33**
